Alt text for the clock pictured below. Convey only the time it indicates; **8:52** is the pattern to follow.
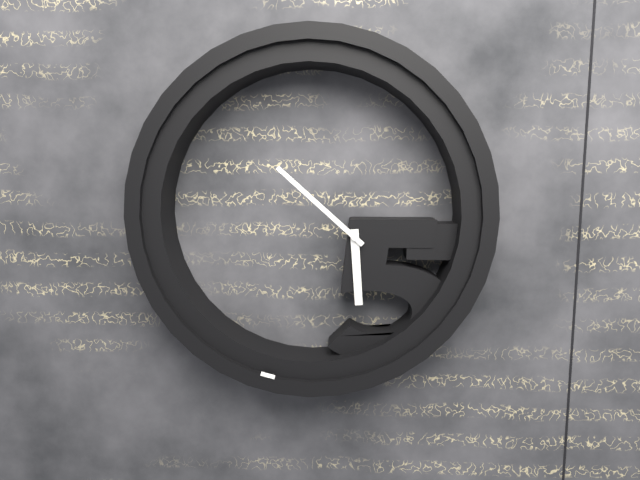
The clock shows **5:52**
